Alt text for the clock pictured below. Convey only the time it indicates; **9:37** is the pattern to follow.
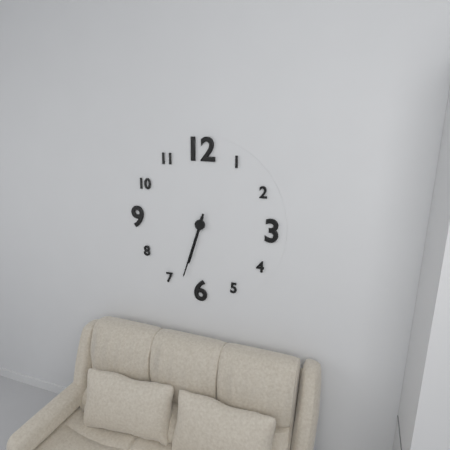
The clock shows **6:33**
